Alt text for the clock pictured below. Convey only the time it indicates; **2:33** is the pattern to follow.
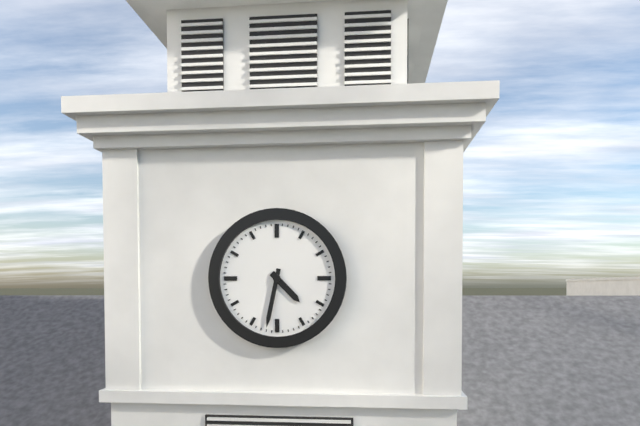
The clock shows **4:32**
